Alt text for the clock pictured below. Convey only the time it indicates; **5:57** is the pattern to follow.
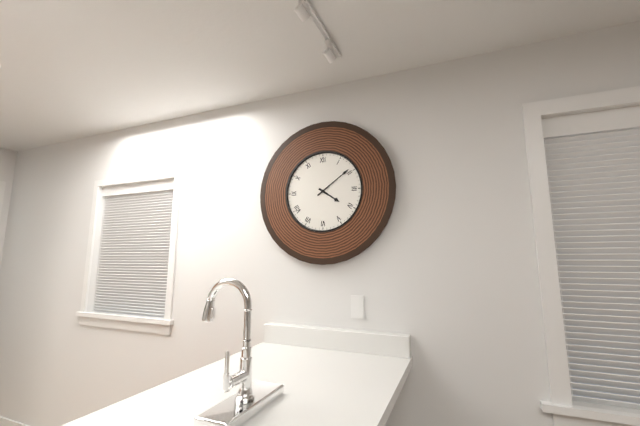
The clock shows **4:09**
